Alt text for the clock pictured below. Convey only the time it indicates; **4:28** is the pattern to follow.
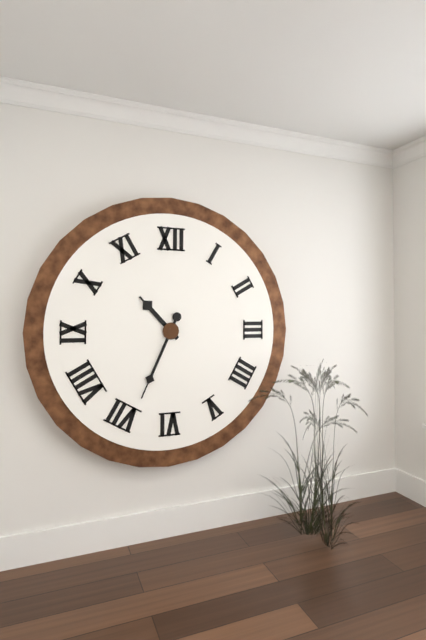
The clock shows **10:34**
